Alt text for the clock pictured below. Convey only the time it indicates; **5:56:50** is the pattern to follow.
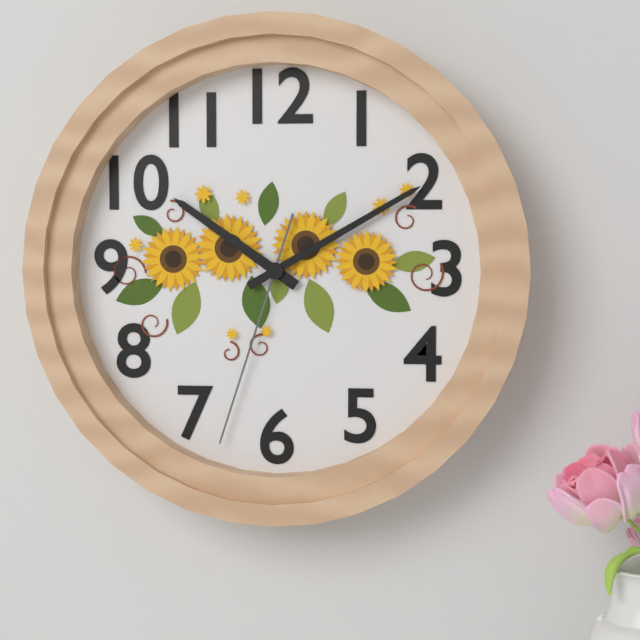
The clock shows **10:10:33**
